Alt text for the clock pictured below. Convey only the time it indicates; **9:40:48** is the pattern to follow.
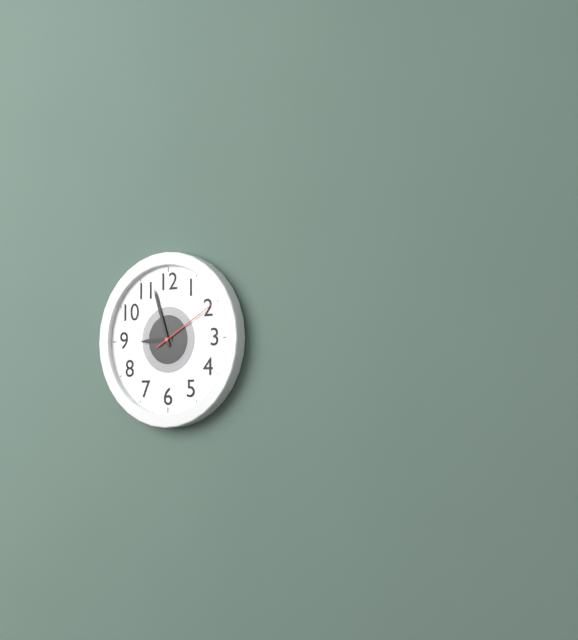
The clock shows **8:57:10**
